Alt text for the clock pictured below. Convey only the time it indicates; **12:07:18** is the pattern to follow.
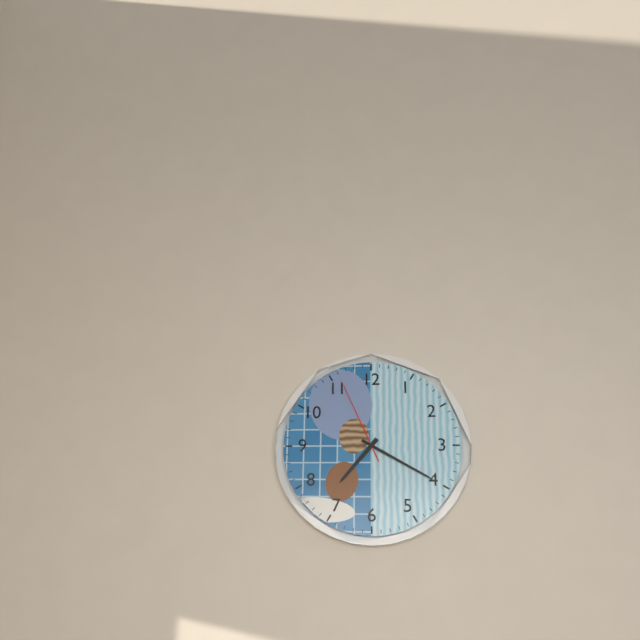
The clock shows **7:20:56**
